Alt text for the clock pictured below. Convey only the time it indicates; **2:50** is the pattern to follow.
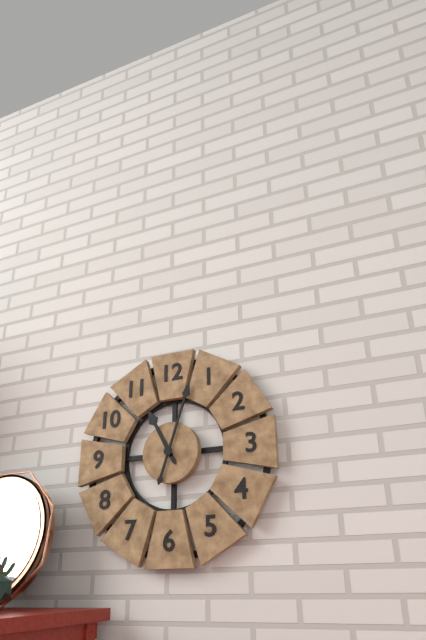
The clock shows **11:03**
